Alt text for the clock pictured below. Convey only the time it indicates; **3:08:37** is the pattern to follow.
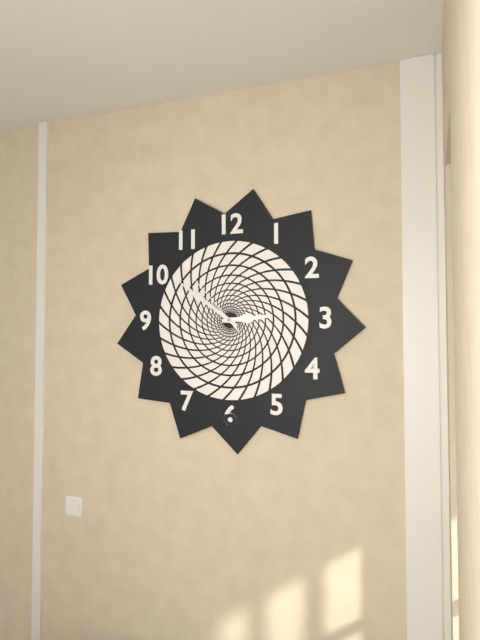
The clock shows **2:51:53**
